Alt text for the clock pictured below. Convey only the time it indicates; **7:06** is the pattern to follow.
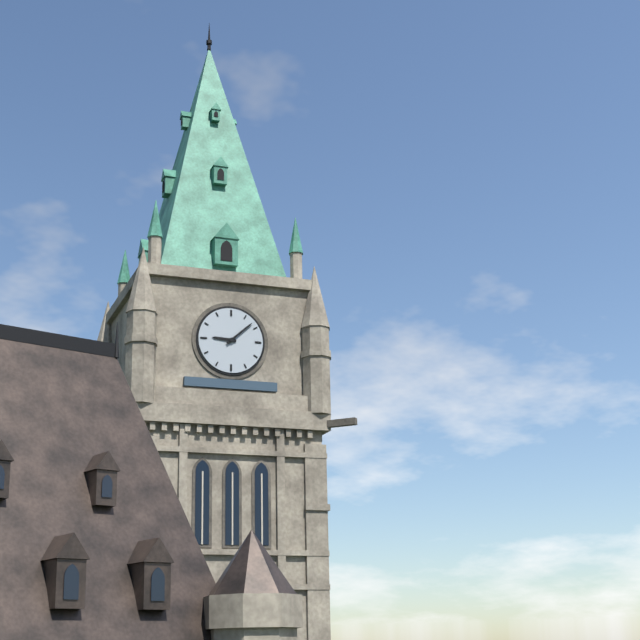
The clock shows **9:08**
